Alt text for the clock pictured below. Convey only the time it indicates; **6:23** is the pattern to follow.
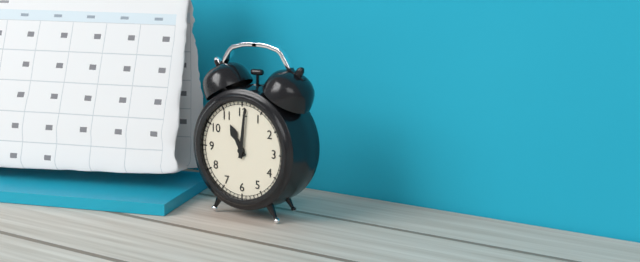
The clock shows **11:01**
